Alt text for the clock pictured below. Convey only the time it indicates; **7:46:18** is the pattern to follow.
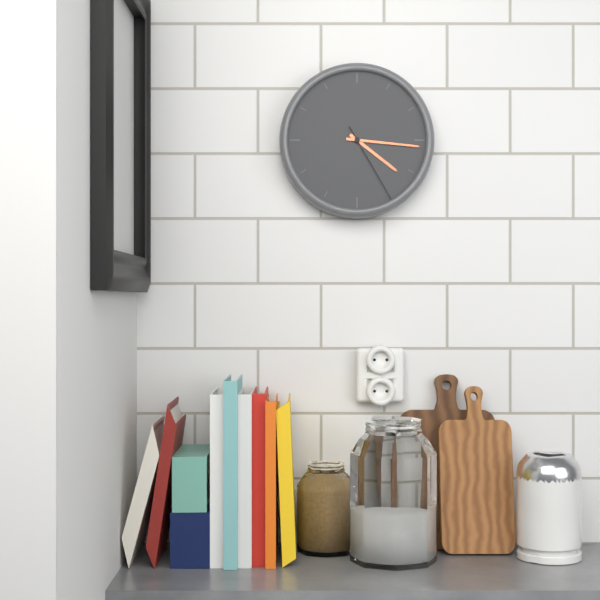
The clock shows **4:16:25**
